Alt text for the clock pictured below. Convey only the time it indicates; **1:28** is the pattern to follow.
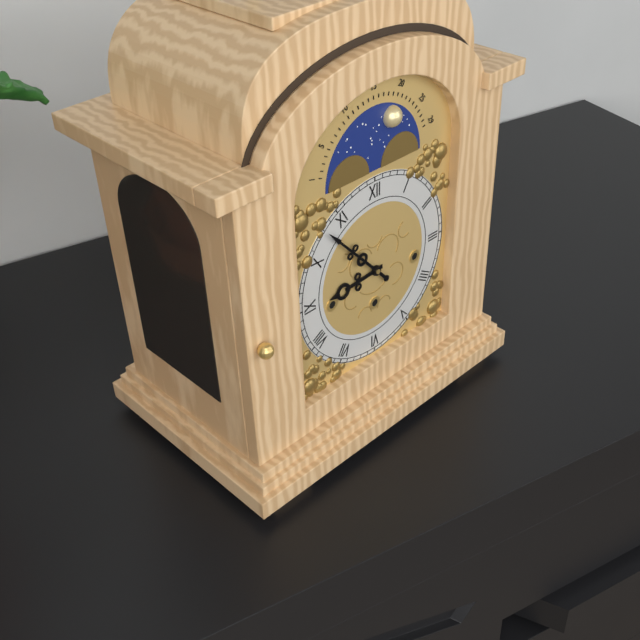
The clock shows **8:53**
